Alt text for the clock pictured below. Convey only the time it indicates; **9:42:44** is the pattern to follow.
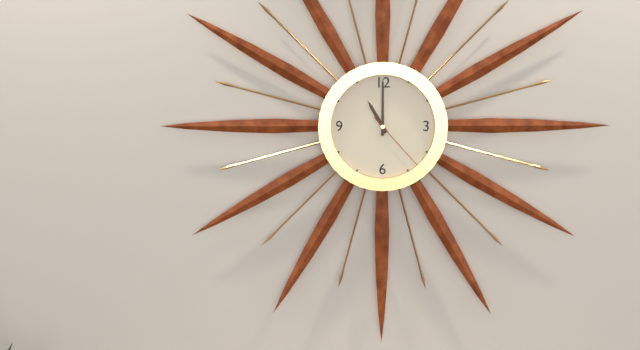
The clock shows **11:00:23**
